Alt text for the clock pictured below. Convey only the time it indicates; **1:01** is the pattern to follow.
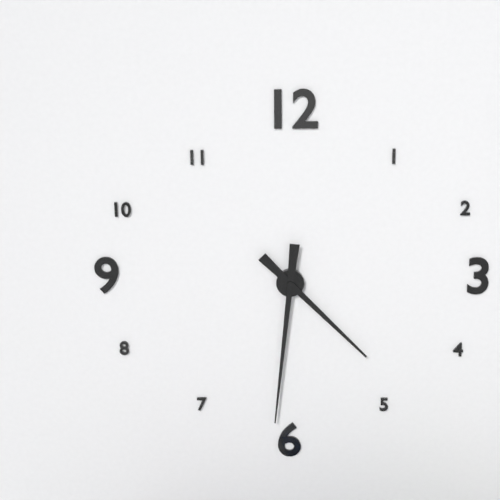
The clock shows **4:31**
